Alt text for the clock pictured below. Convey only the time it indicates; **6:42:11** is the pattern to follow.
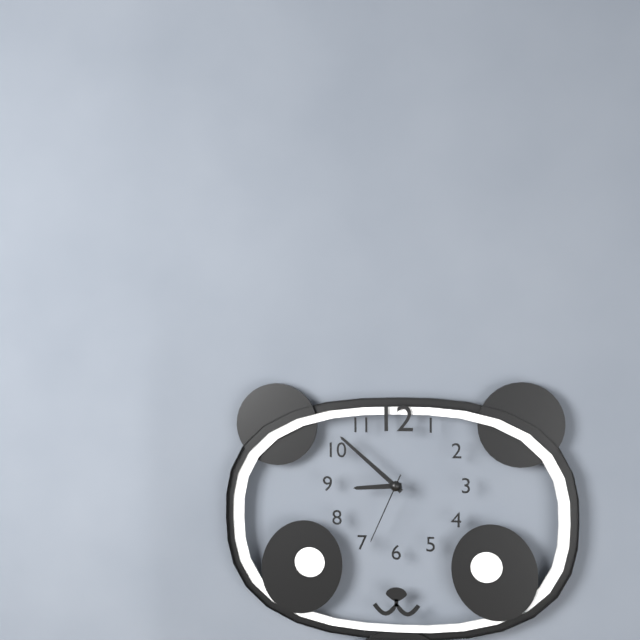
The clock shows **8:52:34**
